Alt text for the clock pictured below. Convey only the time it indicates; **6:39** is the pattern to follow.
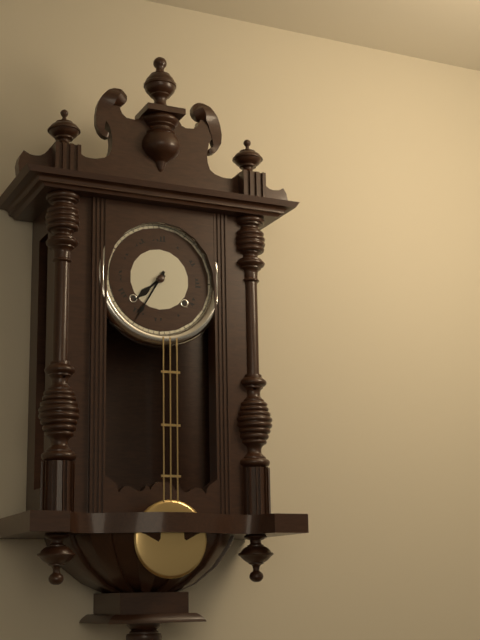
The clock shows **7:35**
